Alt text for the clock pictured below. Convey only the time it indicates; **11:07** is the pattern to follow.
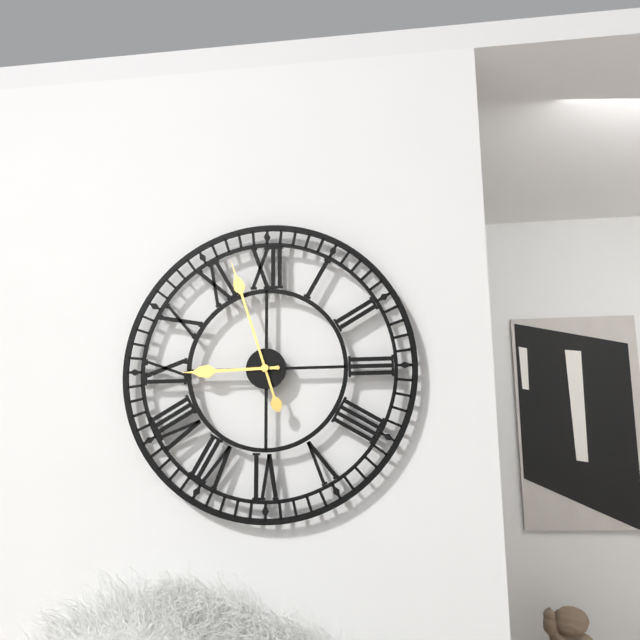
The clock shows **8:57**
